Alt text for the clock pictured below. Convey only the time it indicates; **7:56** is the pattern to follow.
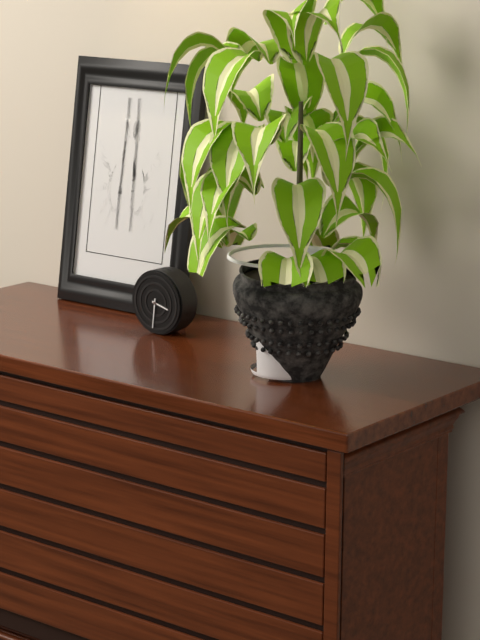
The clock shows **3:31**
